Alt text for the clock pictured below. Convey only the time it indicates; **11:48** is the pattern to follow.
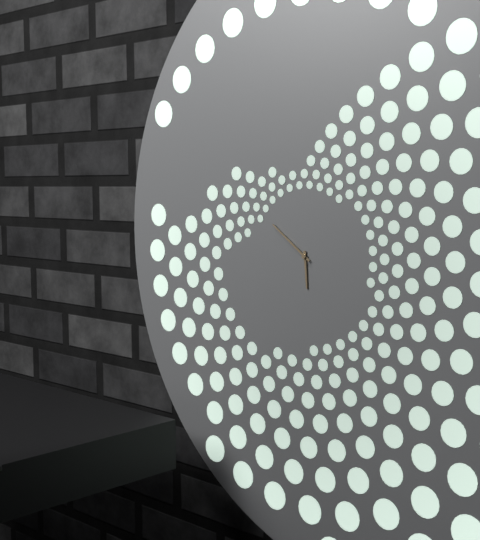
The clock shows **5:51**
